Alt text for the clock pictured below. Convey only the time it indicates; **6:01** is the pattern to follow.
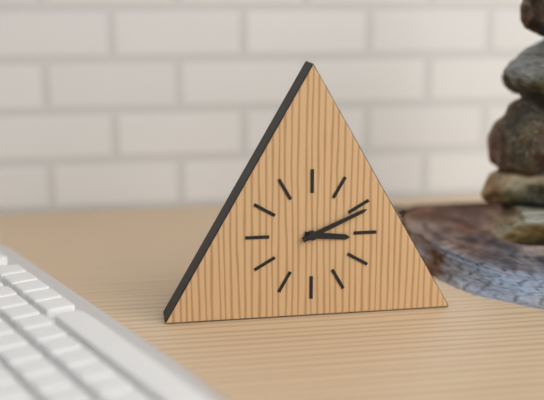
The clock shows **3:11**
